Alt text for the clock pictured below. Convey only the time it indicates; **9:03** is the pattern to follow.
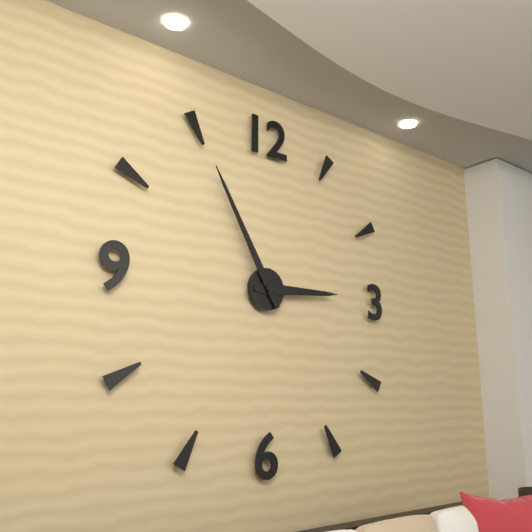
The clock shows **2:55**
